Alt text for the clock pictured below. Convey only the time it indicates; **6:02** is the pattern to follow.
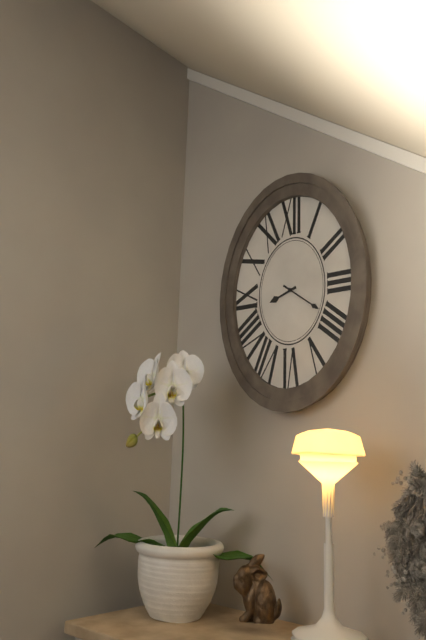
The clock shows **8:21**
